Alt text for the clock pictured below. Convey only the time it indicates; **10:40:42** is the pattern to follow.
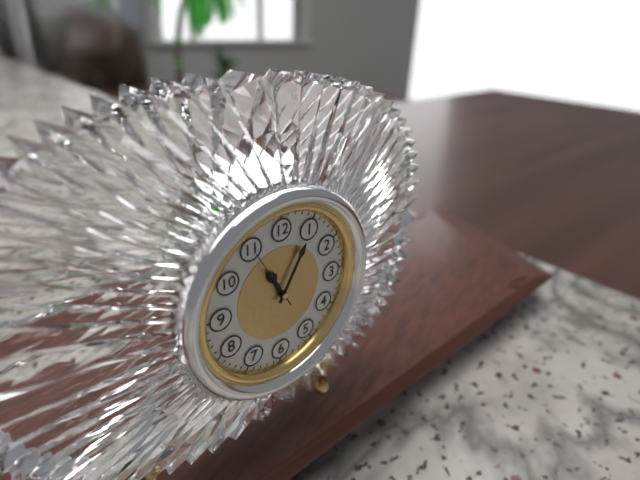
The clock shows **11:05:55**
